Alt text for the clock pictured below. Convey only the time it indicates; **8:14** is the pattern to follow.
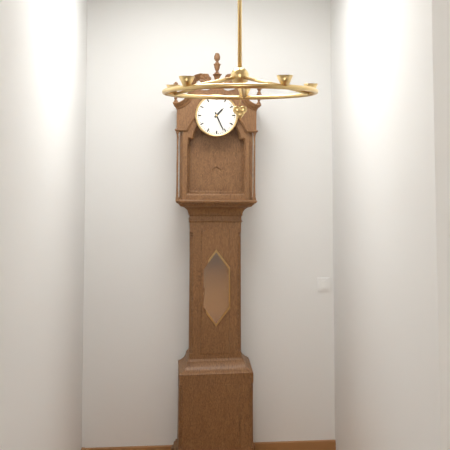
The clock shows **1:26**
